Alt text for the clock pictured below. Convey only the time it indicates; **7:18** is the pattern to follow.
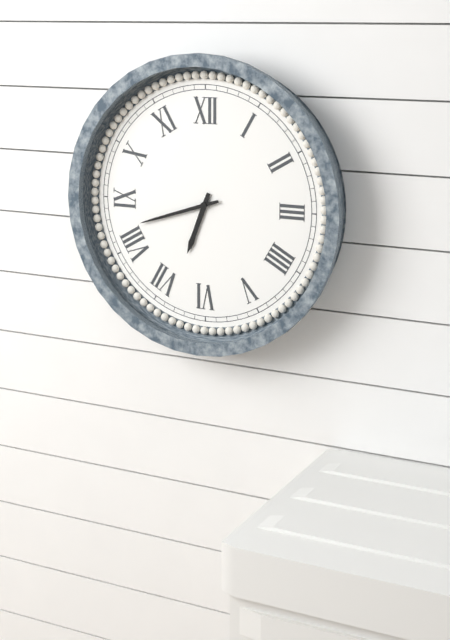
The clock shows **6:42**
